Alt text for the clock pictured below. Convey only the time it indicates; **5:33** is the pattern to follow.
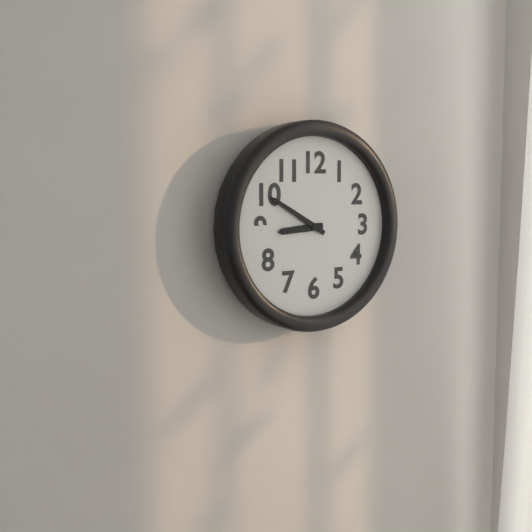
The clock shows **8:50**
